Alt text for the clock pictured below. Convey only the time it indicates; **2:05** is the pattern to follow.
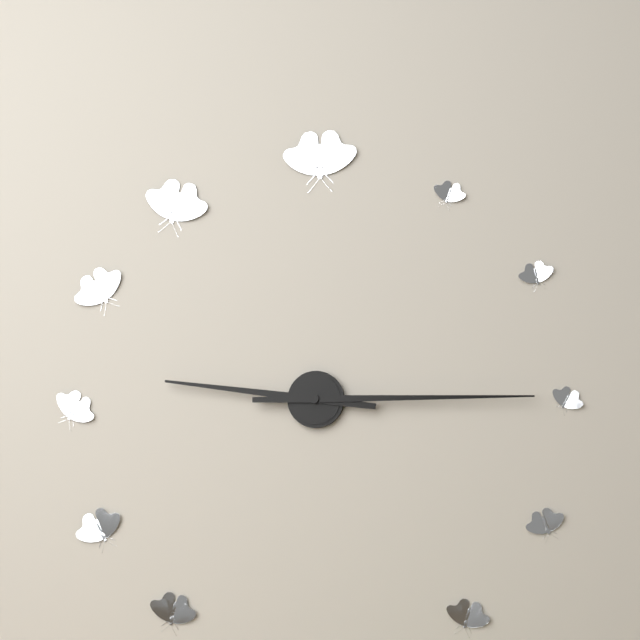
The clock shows **9:15**
